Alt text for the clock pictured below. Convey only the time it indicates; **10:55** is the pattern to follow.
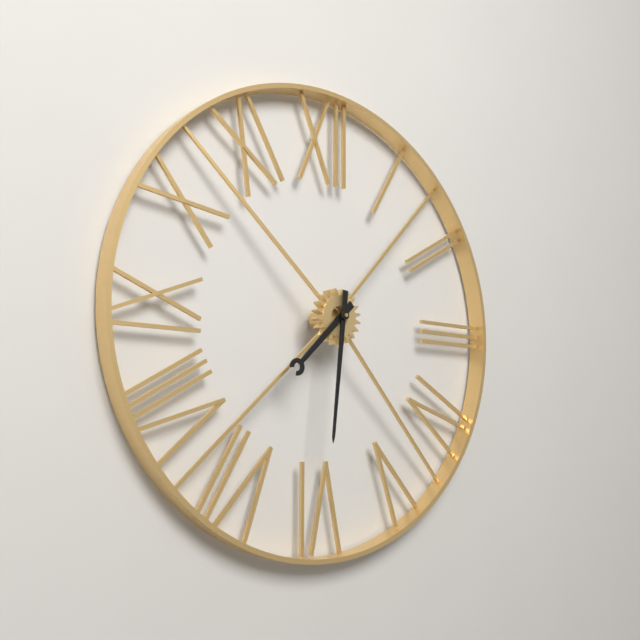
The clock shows **7:31**
